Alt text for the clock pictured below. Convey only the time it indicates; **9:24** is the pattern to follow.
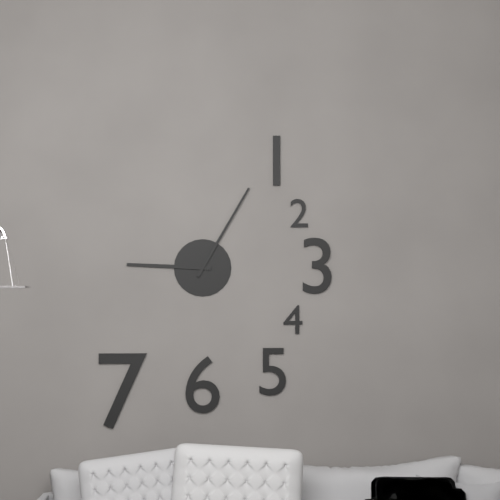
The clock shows **9:05**
